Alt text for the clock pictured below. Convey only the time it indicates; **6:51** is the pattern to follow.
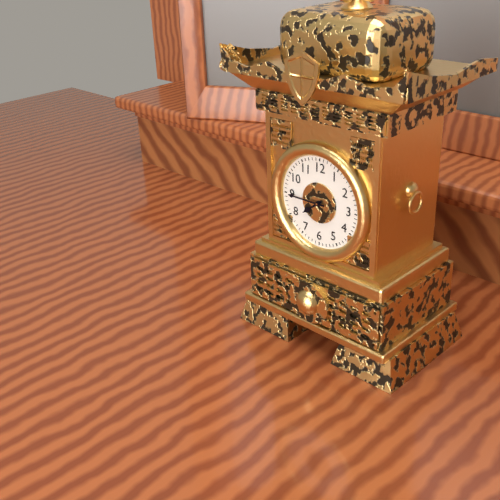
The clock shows **7:45**
